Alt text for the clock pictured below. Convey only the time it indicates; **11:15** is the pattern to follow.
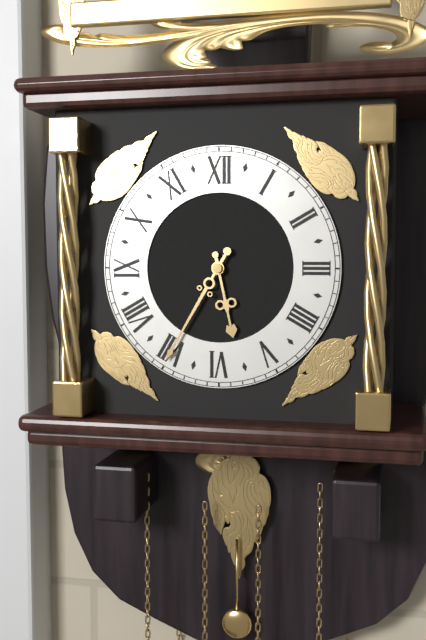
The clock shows **5:35**
